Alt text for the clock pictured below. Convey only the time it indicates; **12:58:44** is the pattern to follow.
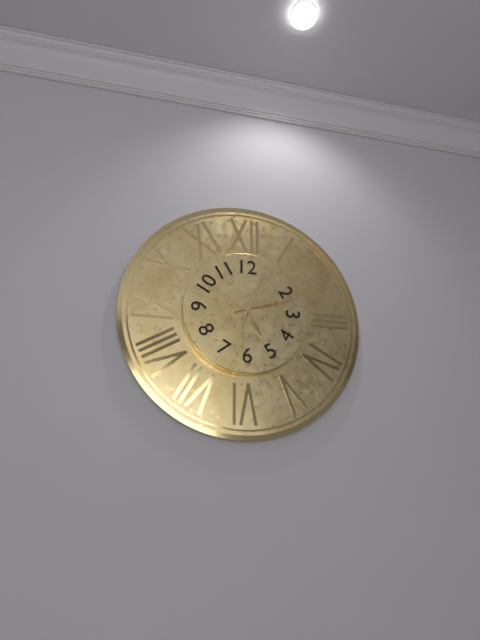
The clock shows **5:04:12**
